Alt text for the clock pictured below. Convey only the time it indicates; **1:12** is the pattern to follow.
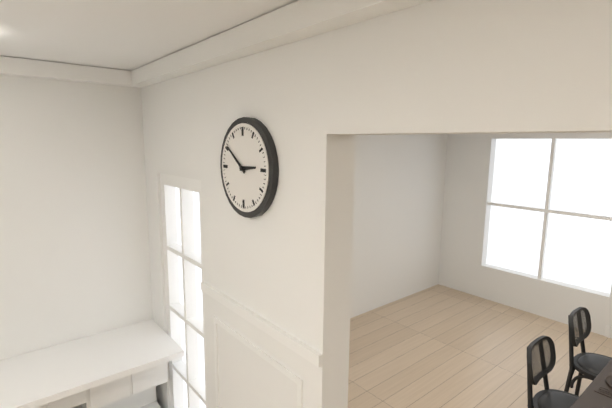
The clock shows **2:51**
